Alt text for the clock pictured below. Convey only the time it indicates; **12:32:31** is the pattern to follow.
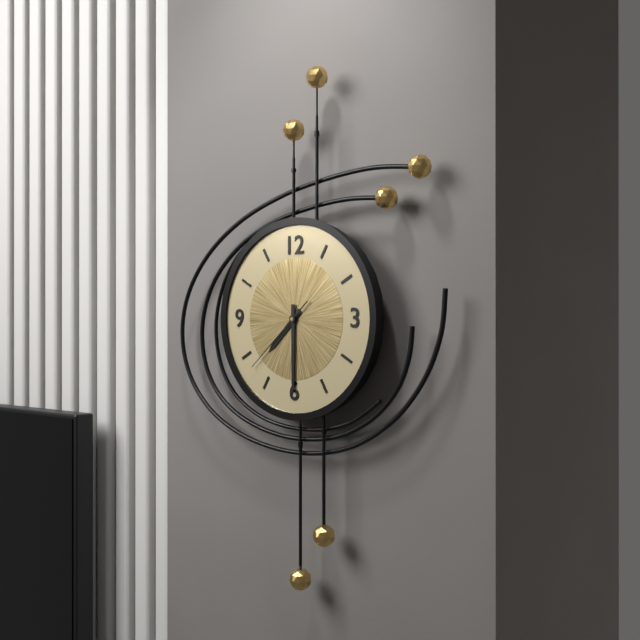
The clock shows **7:30:38**
